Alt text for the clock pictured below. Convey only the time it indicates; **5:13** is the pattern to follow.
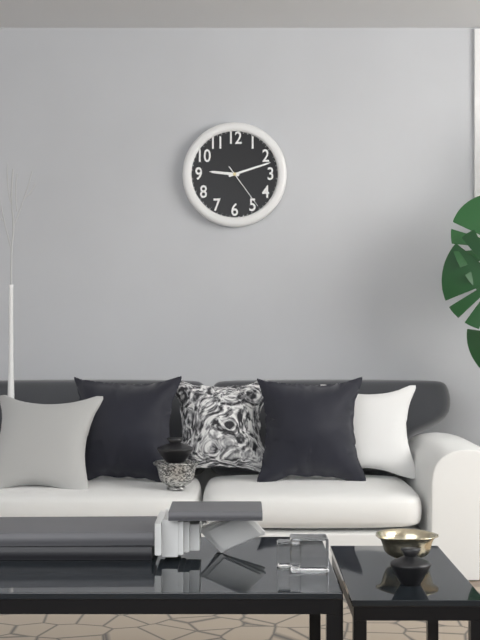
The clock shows **9:12**
